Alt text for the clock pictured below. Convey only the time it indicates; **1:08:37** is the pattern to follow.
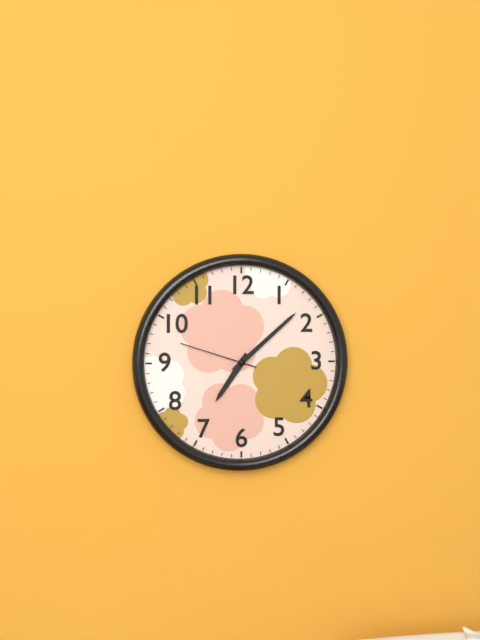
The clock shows **7:08:48**
